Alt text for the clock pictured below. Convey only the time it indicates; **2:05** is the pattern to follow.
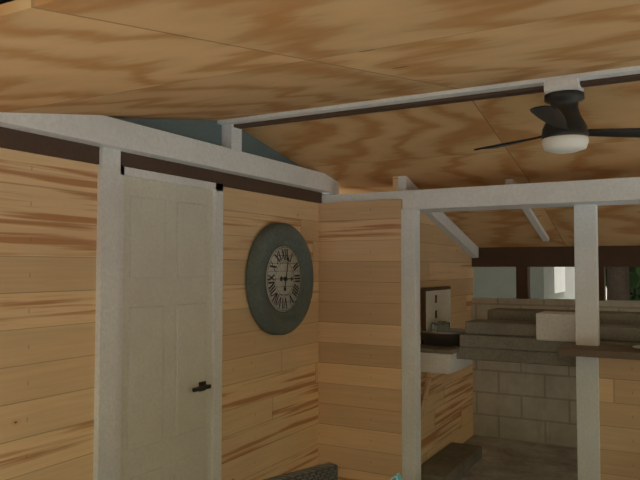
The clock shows **3:02**
